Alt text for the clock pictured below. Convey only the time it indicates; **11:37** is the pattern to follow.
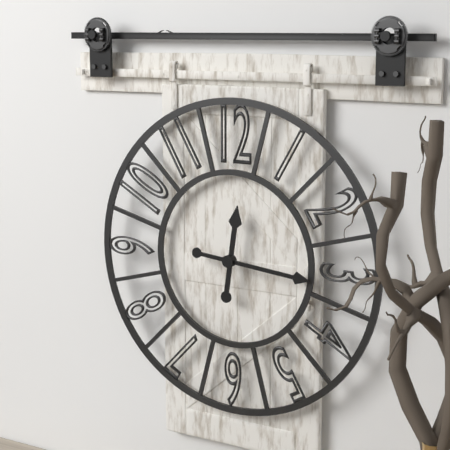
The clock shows **12:16**
